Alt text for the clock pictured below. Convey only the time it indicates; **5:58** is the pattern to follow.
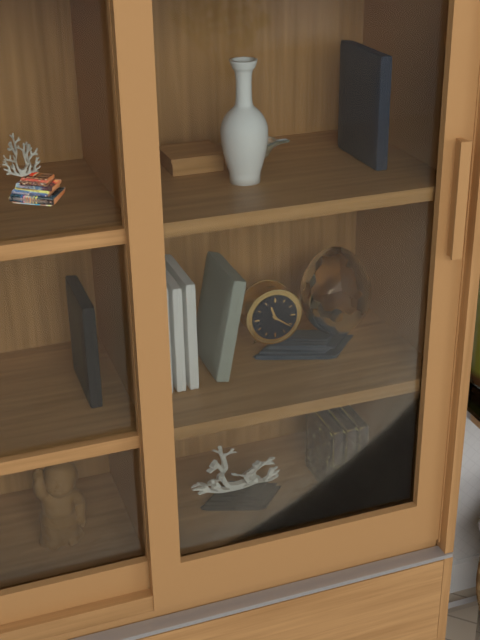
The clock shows **11:21**
